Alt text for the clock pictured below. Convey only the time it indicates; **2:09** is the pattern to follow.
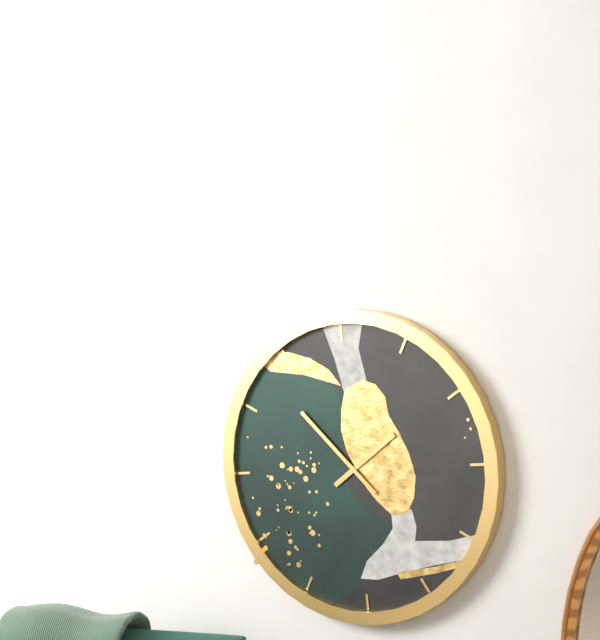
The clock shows **1:53**
